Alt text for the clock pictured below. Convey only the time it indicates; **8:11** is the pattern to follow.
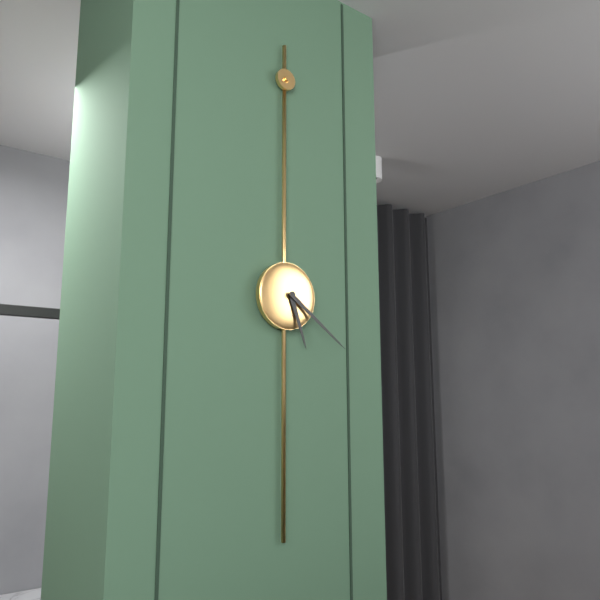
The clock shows **5:21**
